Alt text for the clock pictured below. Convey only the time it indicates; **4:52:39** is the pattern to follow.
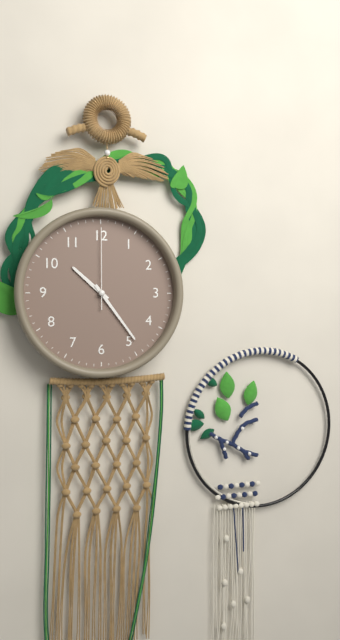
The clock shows **10:24:00**
